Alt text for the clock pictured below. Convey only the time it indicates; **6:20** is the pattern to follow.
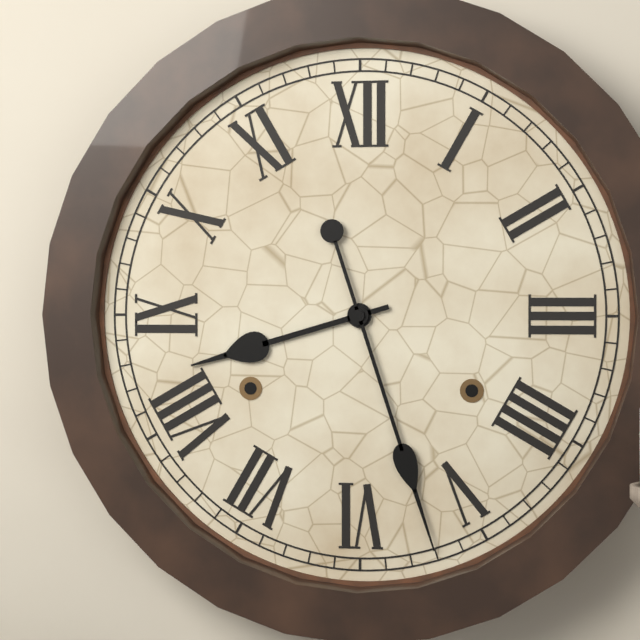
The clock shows **8:27**
